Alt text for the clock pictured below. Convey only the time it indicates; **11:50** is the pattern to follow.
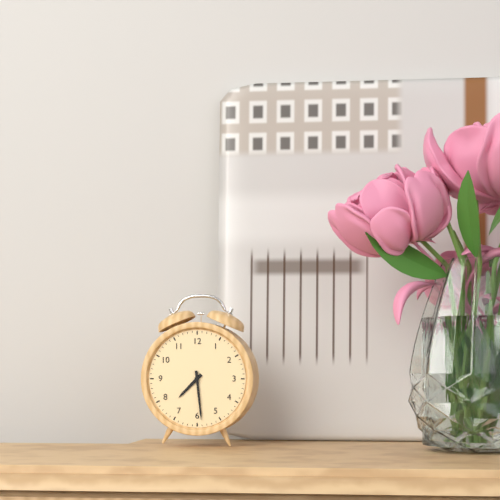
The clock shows **7:29**
